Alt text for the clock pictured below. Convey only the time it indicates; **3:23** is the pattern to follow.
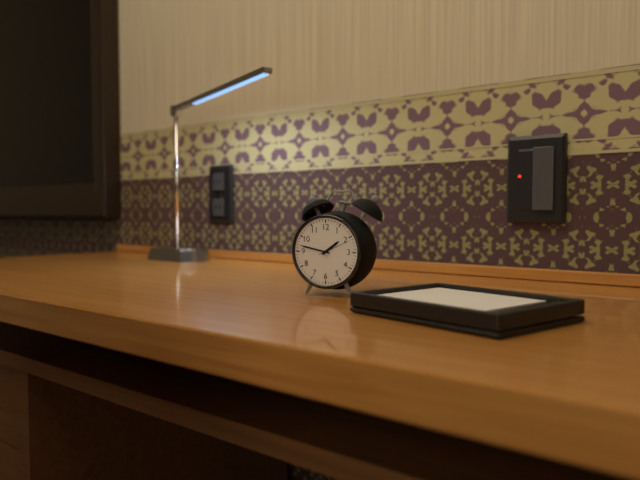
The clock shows **1:47**
